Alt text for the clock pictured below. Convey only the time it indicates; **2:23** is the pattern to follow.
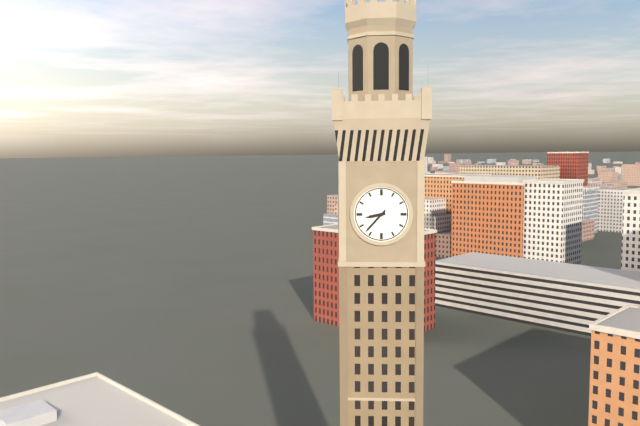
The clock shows **8:37**
